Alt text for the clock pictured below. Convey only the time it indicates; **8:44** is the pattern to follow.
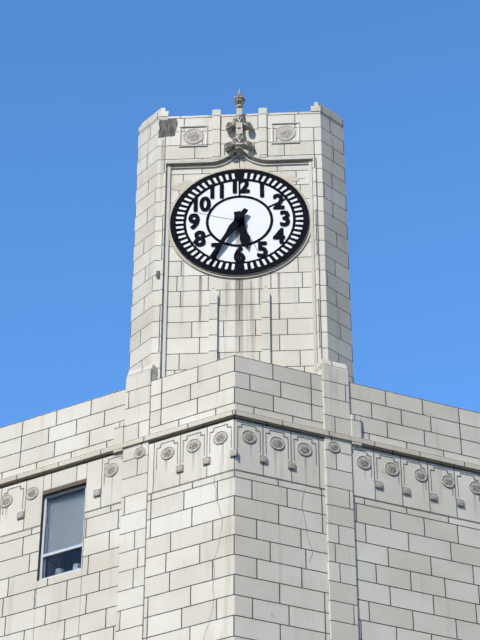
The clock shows **5:35**
